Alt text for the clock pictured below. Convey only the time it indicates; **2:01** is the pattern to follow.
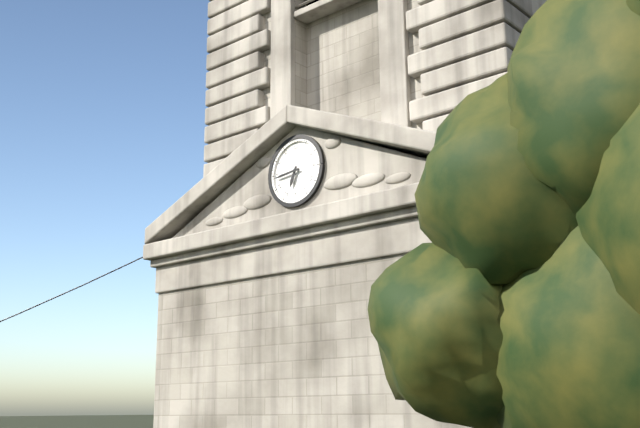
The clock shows **6:44**
